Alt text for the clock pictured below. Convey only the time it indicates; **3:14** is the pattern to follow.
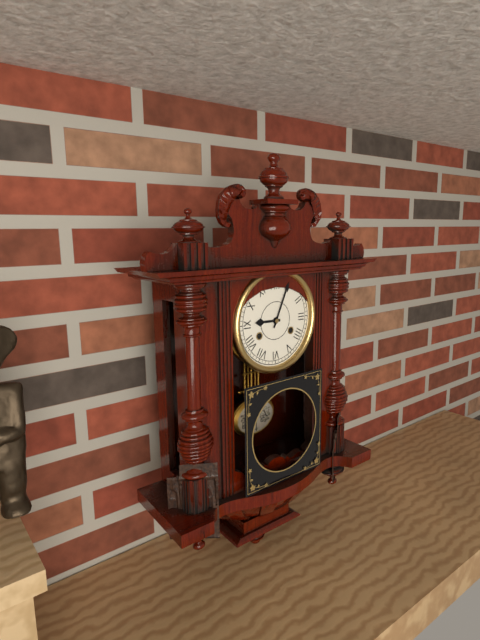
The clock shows **9:04**
